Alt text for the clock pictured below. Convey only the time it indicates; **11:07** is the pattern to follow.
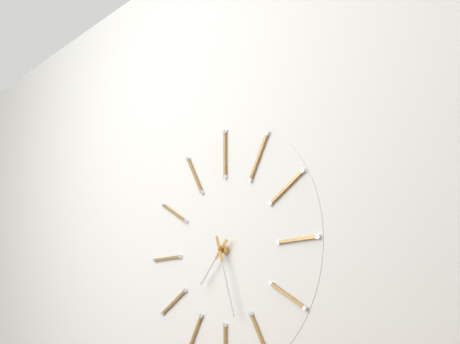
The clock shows **7:27**
